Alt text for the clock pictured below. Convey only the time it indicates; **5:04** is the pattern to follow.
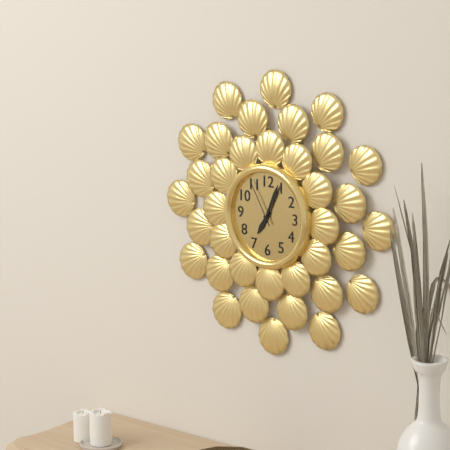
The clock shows **7:04**
